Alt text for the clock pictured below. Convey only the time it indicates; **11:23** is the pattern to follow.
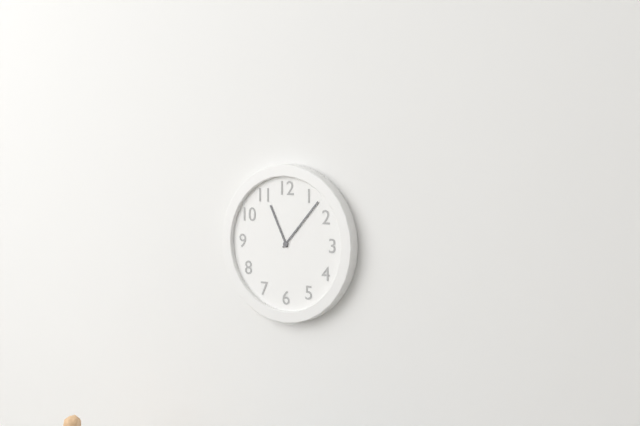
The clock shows **11:07**
